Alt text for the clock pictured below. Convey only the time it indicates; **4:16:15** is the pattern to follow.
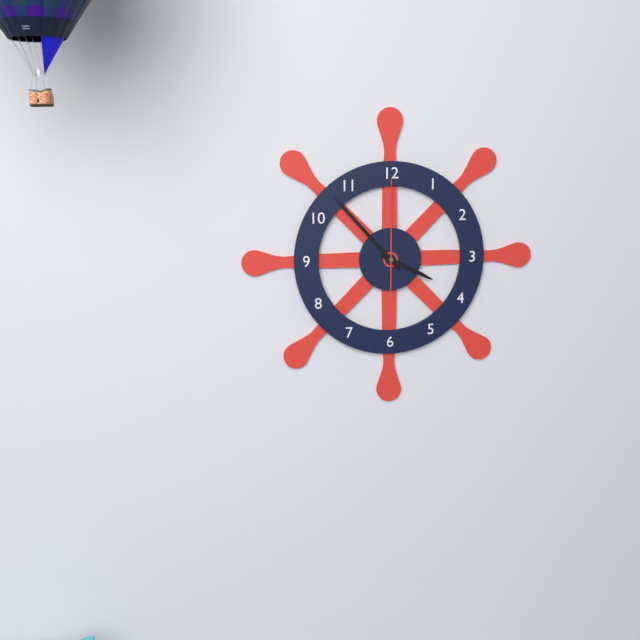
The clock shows **3:53:00**
